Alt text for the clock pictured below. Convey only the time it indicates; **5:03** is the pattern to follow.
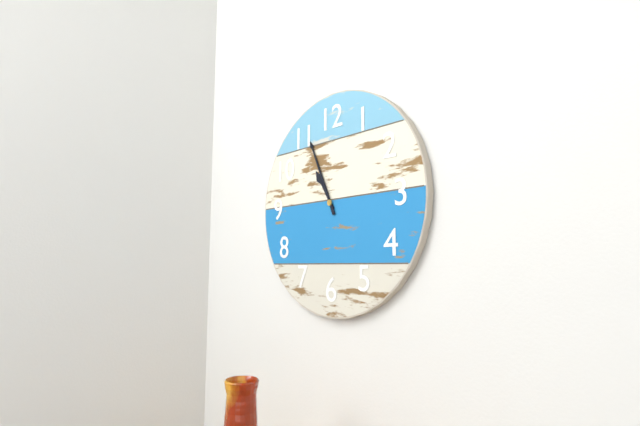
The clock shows **10:56**
